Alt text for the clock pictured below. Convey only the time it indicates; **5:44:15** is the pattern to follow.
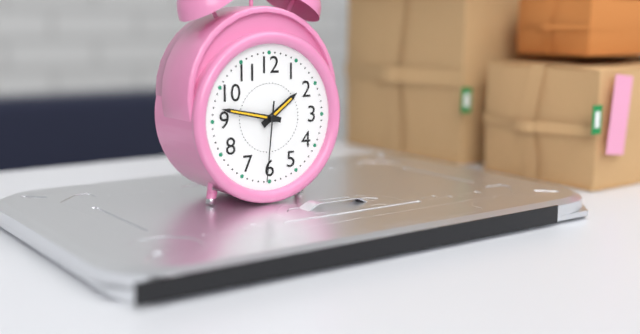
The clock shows **1:47:31**
